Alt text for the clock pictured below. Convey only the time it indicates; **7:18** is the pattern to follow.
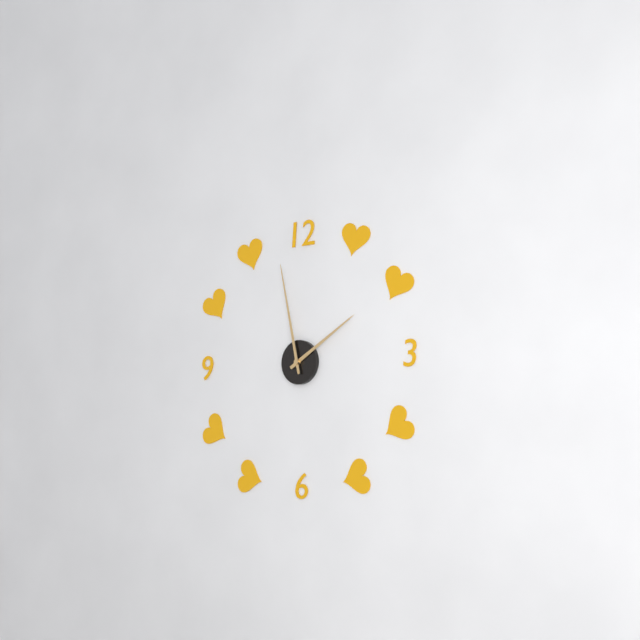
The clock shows **1:58**
